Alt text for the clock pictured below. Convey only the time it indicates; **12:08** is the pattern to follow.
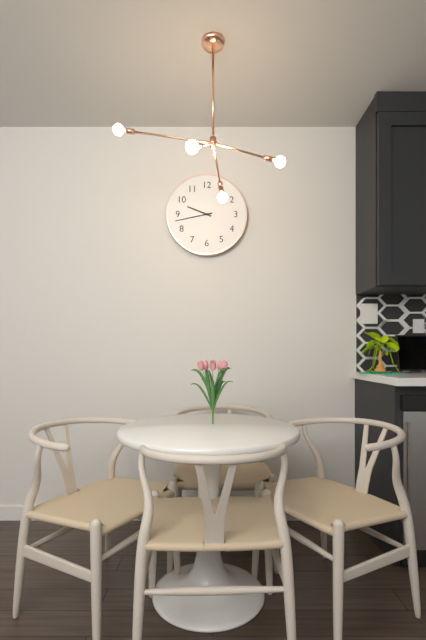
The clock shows **9:43**
